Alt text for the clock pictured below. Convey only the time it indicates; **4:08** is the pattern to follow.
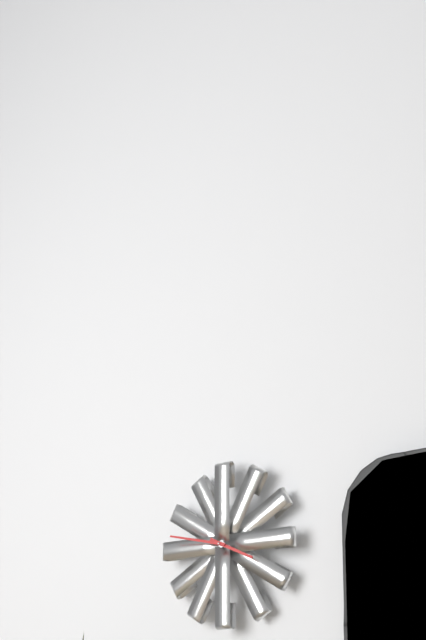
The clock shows **3:47**
